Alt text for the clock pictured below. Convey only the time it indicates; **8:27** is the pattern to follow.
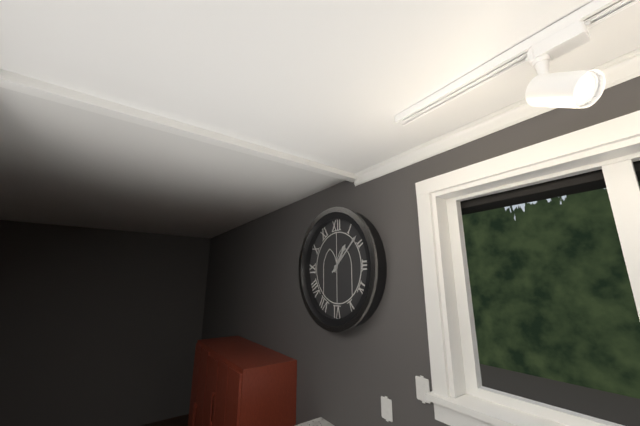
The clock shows **1:08**
